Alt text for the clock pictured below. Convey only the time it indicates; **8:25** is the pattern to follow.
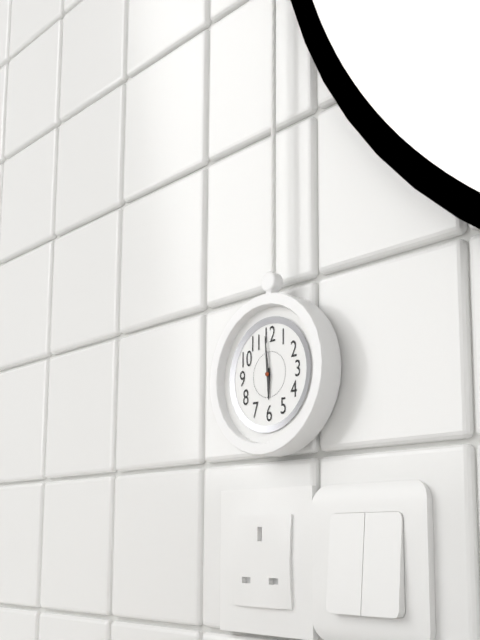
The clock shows **5:59**
